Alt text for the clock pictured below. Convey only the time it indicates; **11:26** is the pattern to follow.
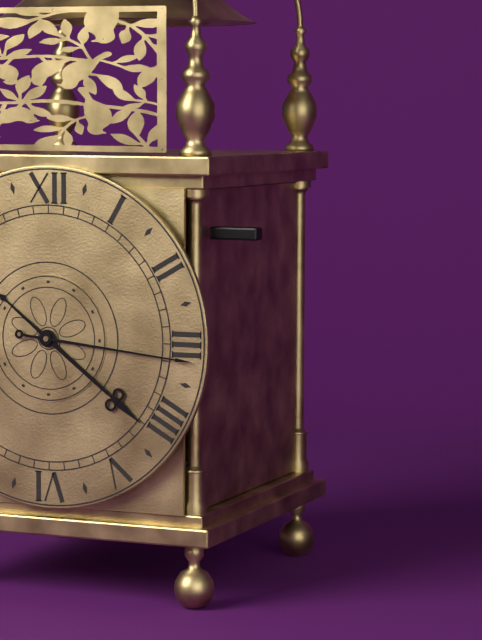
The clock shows **4:16**
